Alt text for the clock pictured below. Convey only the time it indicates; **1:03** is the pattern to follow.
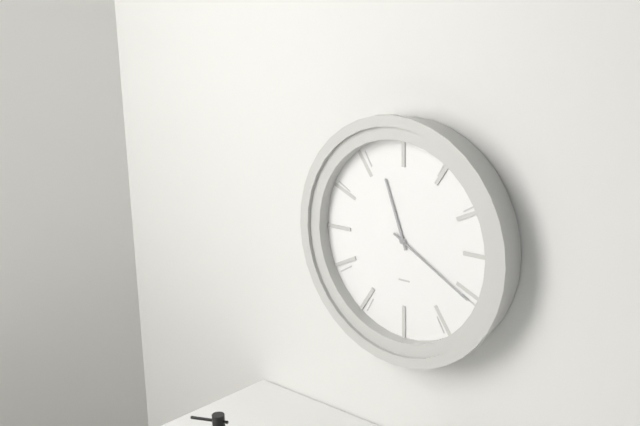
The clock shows **11:20**
